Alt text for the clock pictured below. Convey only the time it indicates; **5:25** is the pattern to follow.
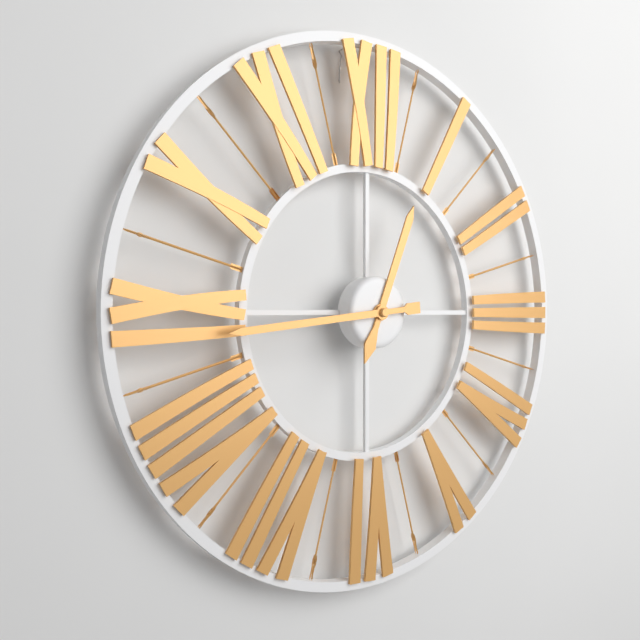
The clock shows **12:44**
